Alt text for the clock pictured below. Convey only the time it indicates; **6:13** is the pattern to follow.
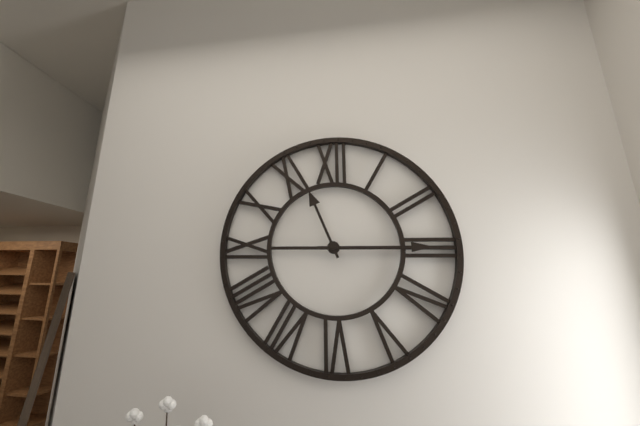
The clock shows **11:15**
